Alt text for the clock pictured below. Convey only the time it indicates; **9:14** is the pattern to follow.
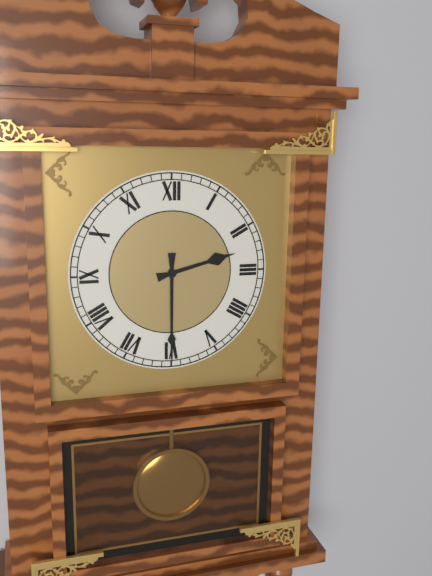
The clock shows **2:30**
